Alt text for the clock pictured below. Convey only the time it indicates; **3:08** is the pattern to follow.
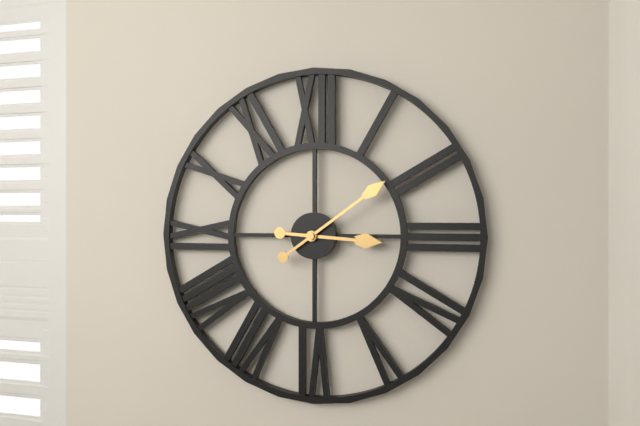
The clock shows **3:09**
